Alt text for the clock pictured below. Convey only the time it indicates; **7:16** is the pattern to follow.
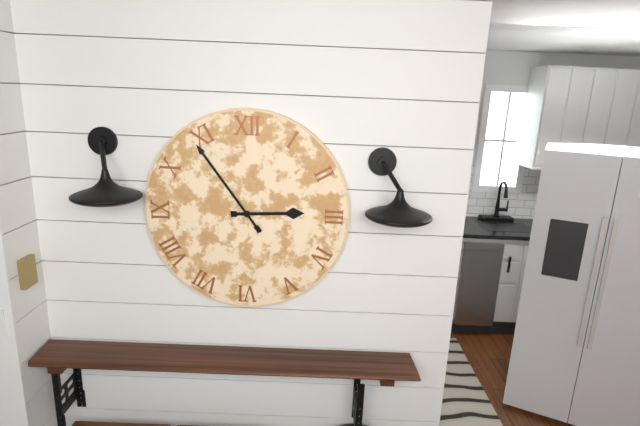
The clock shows **2:54**
